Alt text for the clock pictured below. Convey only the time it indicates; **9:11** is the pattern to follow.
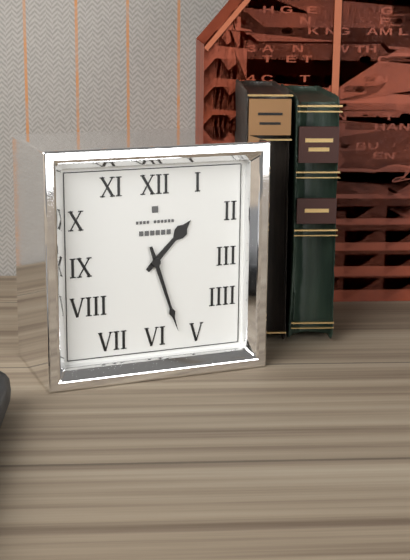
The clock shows **1:27**
